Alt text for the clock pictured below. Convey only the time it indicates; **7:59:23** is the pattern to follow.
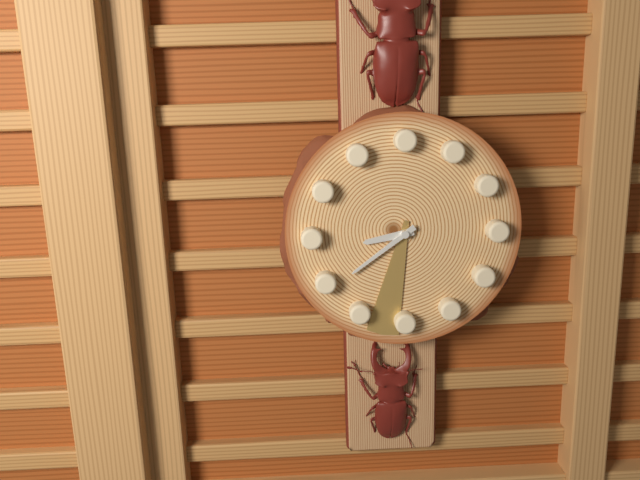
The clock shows **8:39:32**
